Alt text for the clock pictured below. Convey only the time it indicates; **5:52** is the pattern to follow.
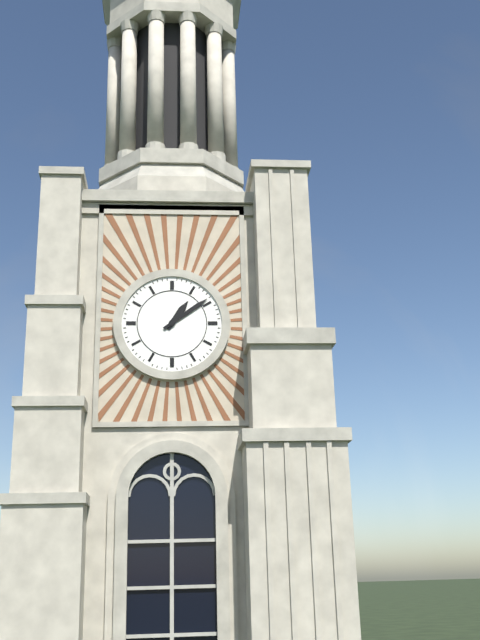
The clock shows **1:09**
